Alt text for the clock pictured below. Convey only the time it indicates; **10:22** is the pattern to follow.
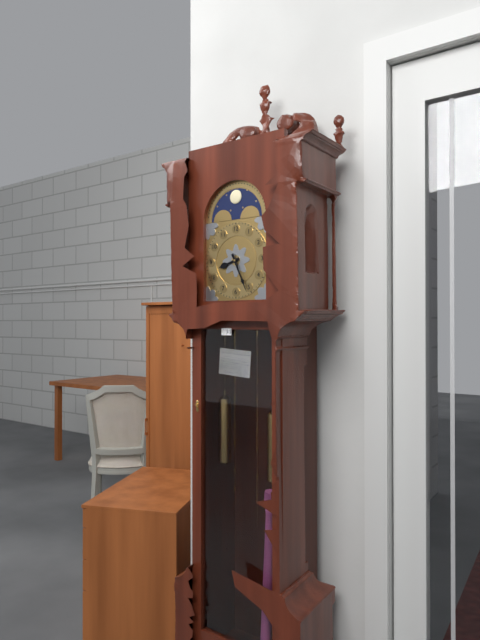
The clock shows **8:26**
